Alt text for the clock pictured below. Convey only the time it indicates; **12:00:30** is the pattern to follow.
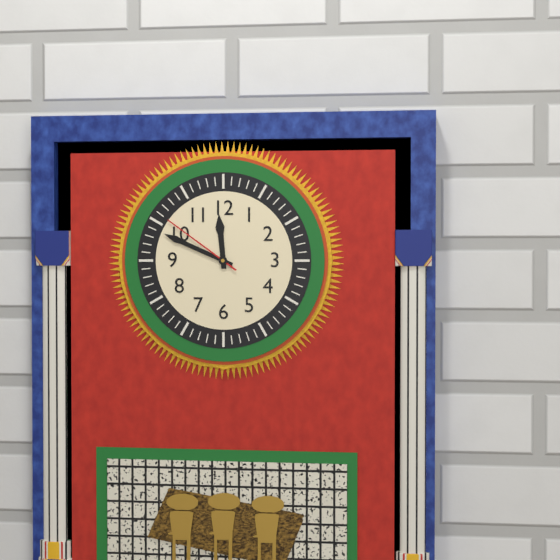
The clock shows **11:49:51**
